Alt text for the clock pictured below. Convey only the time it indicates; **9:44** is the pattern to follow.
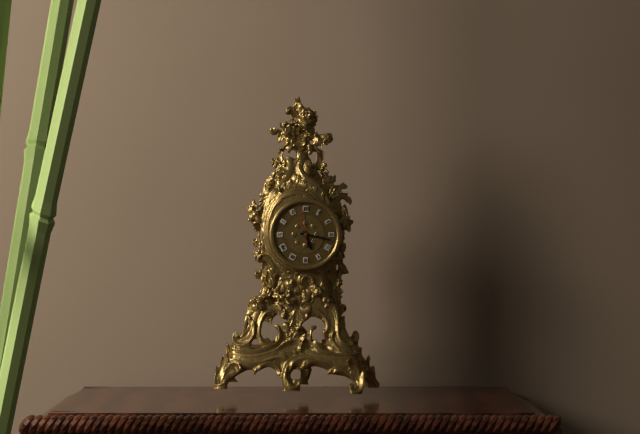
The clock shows **5:17**
